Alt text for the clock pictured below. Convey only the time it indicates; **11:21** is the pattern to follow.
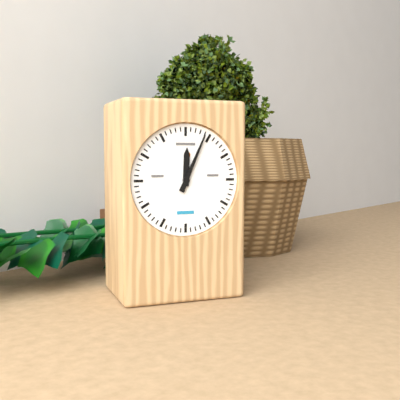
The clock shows **12:04**
